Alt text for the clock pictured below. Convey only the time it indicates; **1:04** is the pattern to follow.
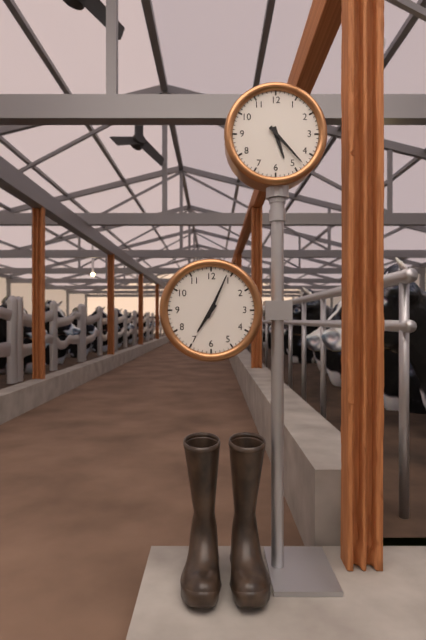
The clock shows **5:23**
